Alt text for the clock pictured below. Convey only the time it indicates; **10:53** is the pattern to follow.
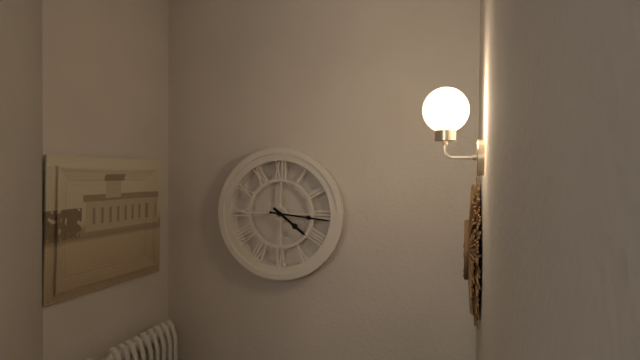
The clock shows **4:16**
